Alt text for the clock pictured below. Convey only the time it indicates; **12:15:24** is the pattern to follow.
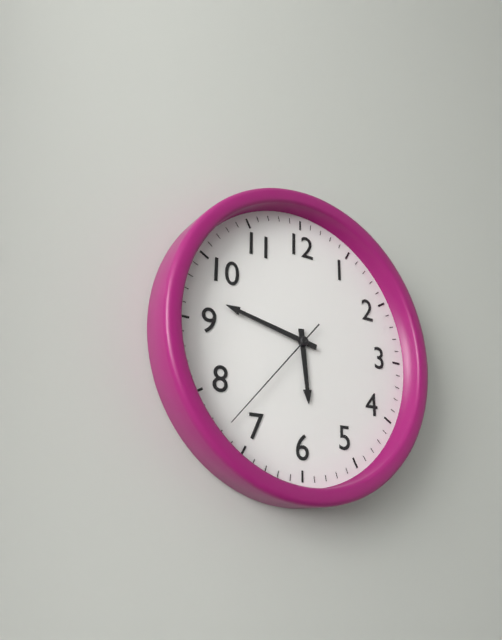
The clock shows **5:47:37**
